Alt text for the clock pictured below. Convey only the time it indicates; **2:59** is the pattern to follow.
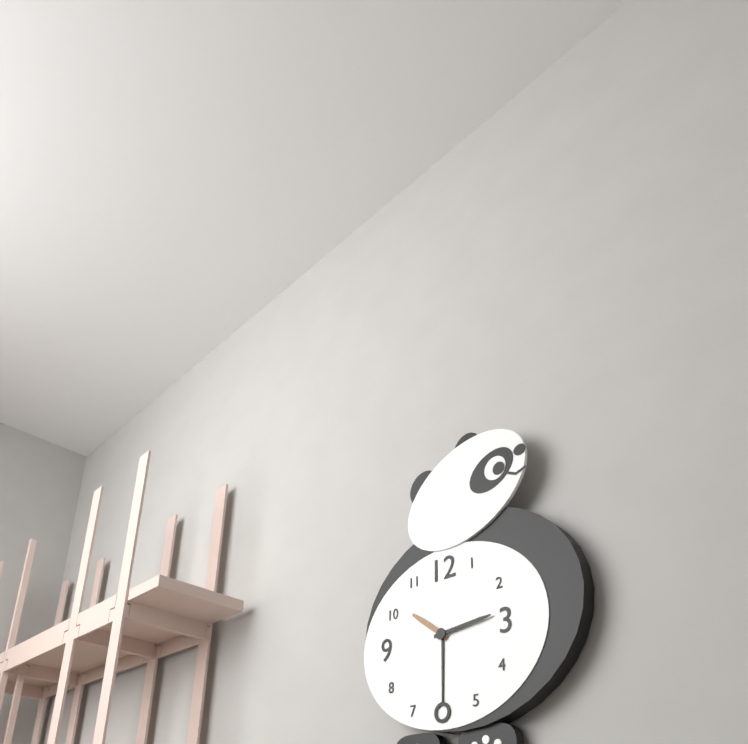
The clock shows **10:14**
